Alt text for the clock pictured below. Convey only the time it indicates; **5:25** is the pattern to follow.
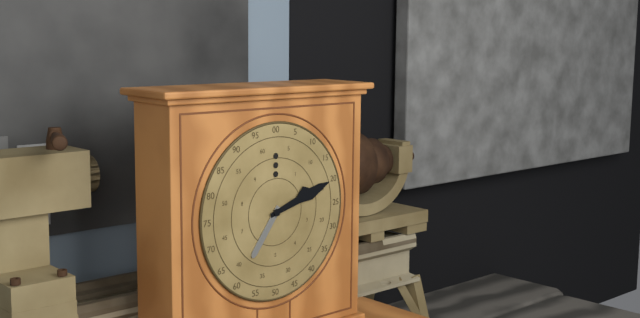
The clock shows **7:12**
